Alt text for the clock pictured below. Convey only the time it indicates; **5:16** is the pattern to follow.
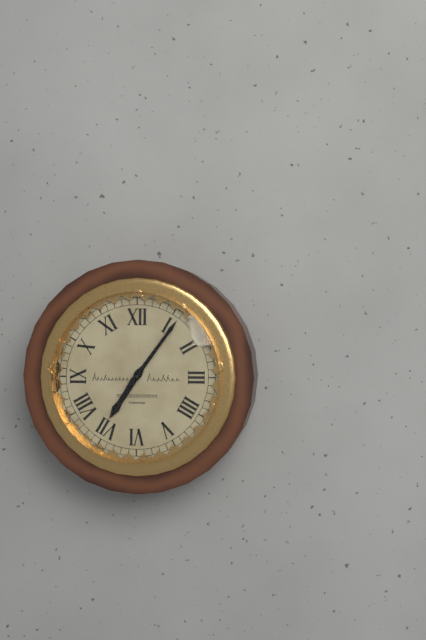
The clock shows **7:06**
